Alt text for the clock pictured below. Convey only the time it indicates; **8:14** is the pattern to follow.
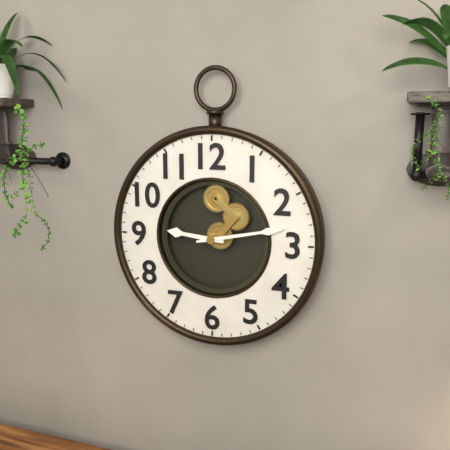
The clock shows **9:13**
